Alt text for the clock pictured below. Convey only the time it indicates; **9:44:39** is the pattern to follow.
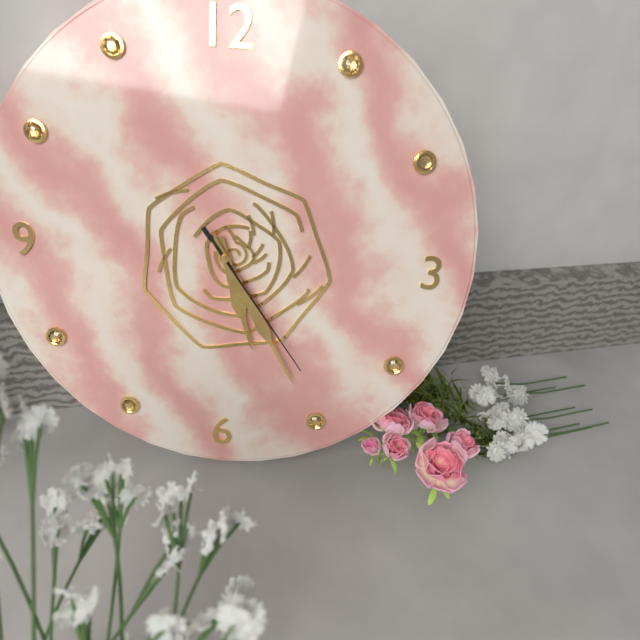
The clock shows **5:25:24**
